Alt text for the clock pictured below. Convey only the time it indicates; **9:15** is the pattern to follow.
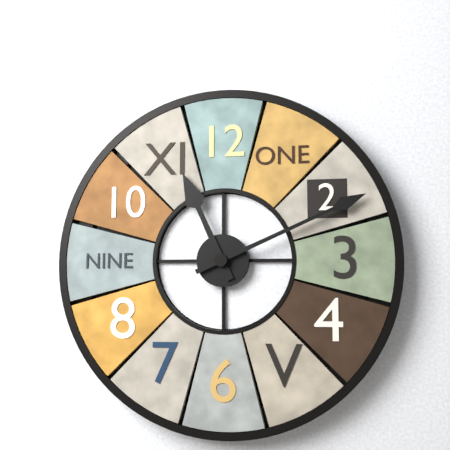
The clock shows **11:11**
